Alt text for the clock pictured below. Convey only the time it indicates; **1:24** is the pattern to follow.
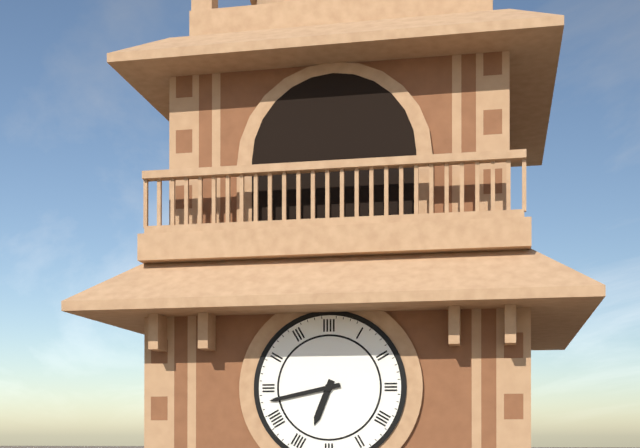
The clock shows **6:43**
